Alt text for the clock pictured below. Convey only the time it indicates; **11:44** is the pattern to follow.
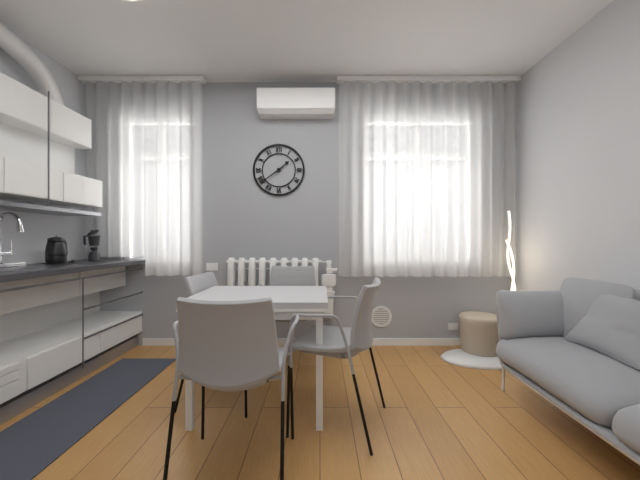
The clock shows **1:39**
